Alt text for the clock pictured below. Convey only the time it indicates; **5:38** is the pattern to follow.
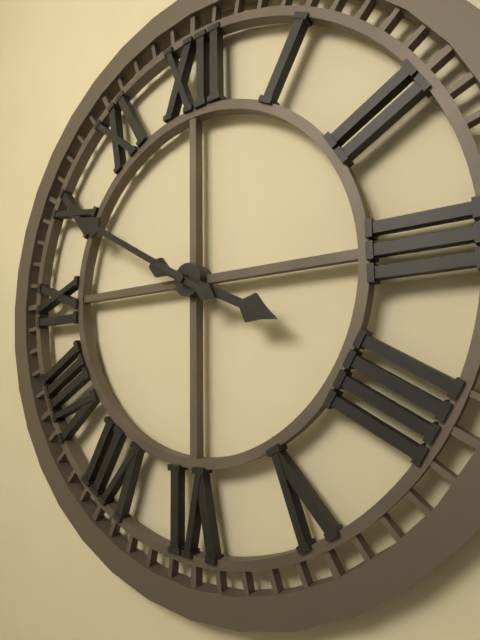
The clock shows **3:50**
